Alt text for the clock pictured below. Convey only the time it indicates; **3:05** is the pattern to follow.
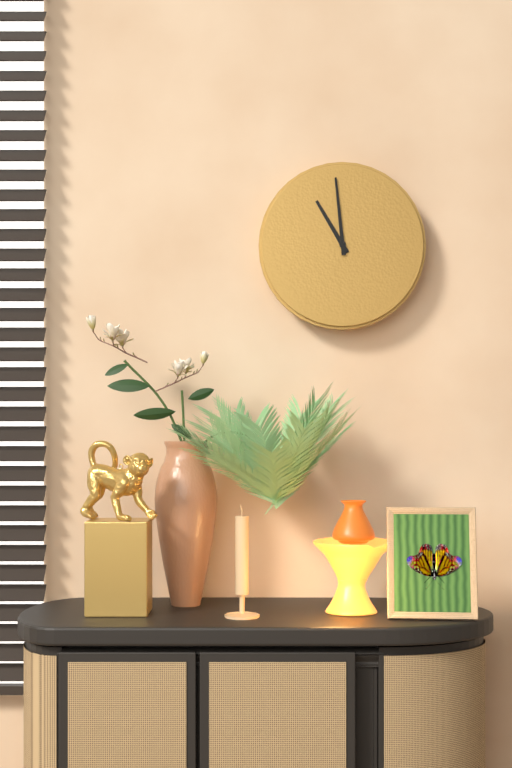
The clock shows **10:59**
